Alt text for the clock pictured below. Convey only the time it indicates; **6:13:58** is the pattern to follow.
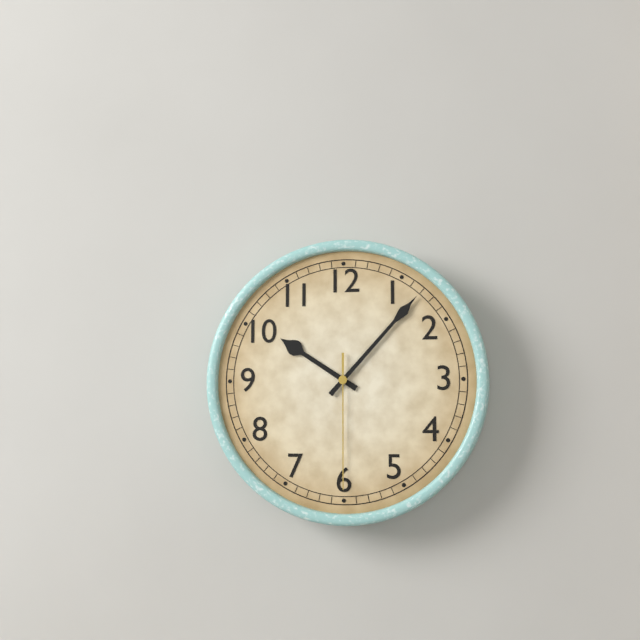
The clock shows **10:07:30**
